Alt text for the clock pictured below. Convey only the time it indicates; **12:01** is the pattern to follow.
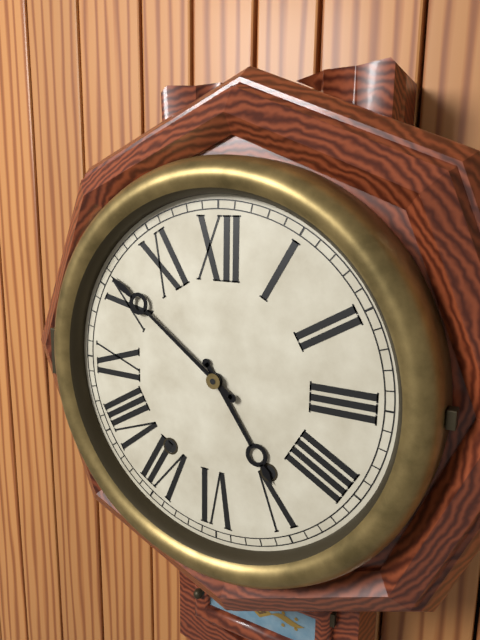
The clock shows **4:51**
